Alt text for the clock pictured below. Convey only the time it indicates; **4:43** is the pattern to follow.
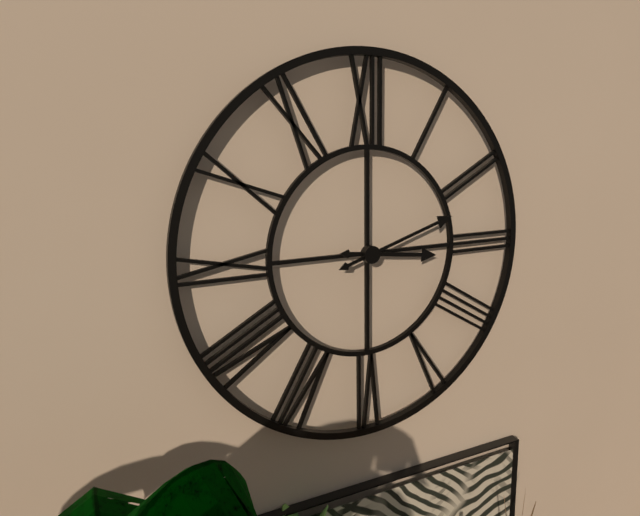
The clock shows **3:12**
